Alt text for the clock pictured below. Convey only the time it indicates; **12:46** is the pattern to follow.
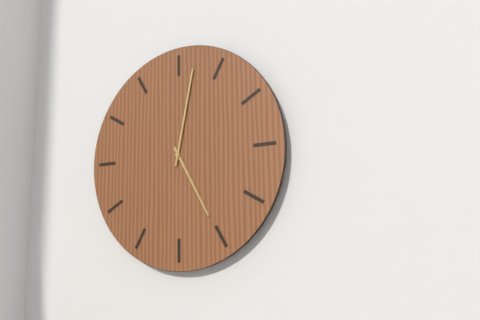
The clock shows **5:02**
